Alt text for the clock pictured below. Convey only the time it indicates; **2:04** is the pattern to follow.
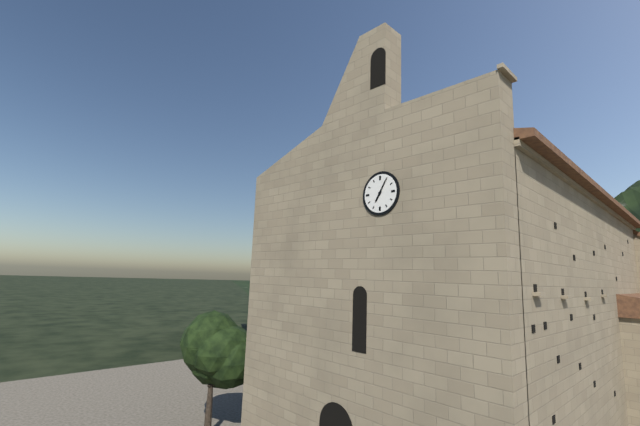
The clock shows **7:05**
